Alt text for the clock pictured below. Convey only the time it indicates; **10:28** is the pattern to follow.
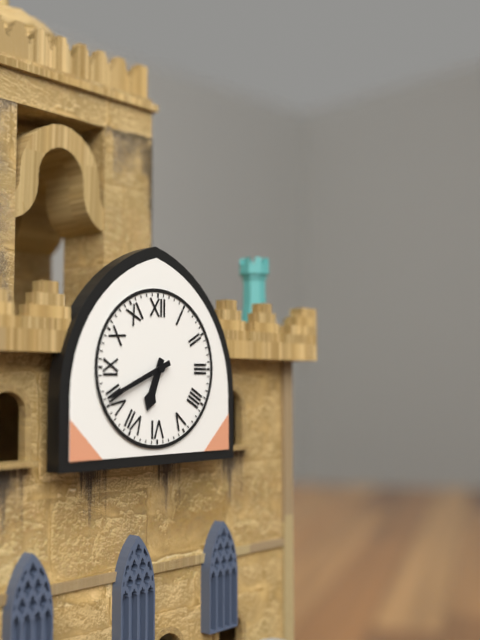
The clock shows **6:41**
